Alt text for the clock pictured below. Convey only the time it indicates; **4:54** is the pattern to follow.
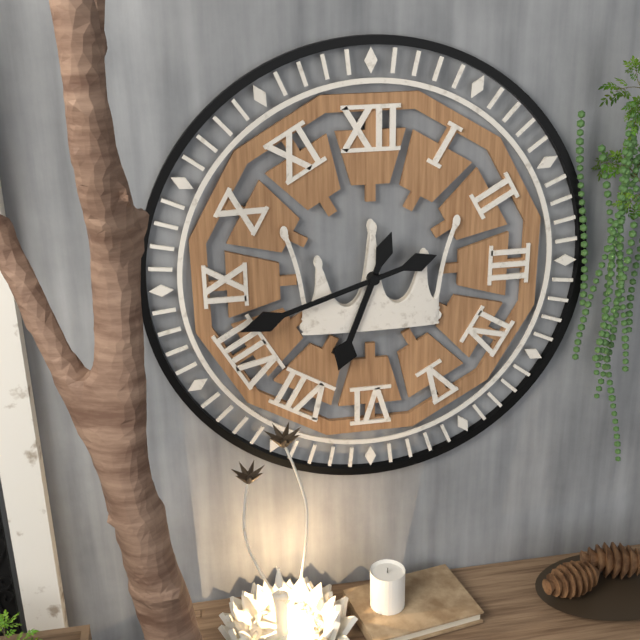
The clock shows **6:42**
